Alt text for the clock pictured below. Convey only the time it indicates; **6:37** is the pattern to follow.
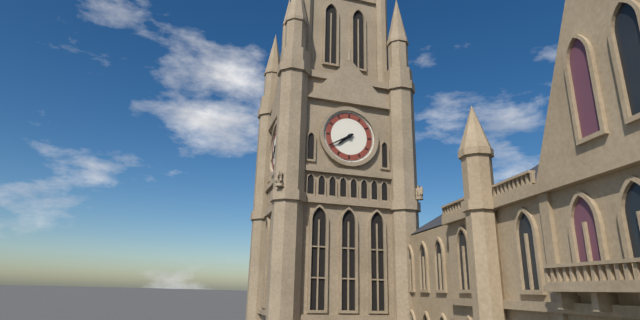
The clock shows **7:40**
